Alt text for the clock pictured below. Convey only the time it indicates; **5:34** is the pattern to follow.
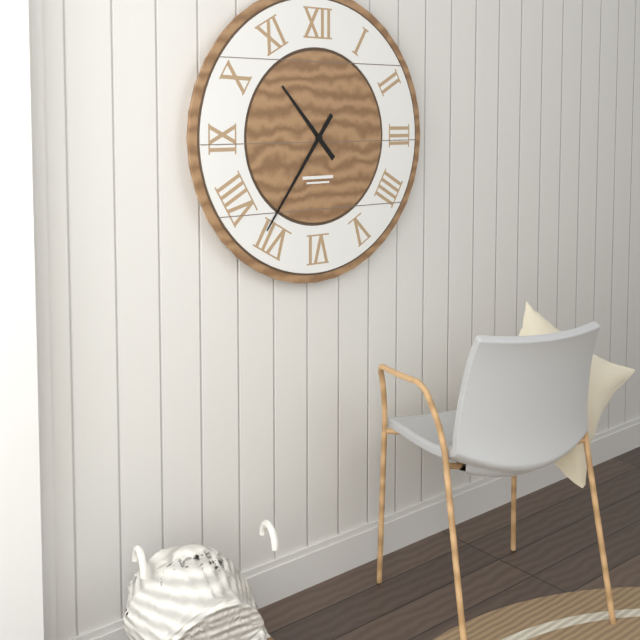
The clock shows **10:36**
